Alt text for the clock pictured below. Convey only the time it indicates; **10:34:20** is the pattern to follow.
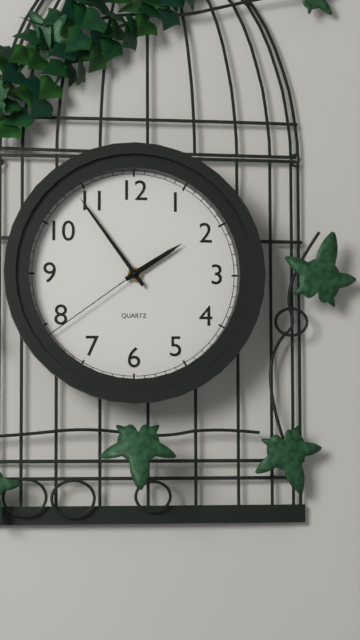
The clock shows **1:54:39**
